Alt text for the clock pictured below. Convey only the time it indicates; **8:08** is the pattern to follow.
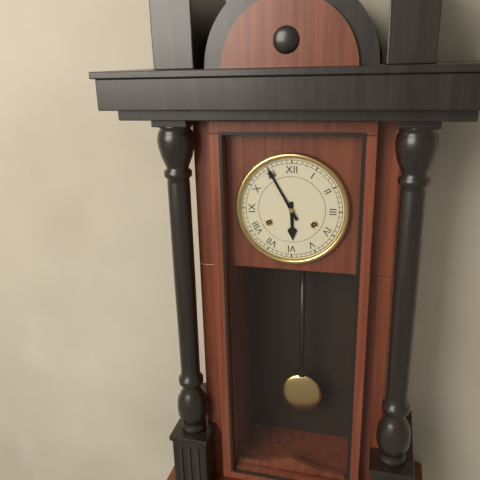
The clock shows **5:55**
